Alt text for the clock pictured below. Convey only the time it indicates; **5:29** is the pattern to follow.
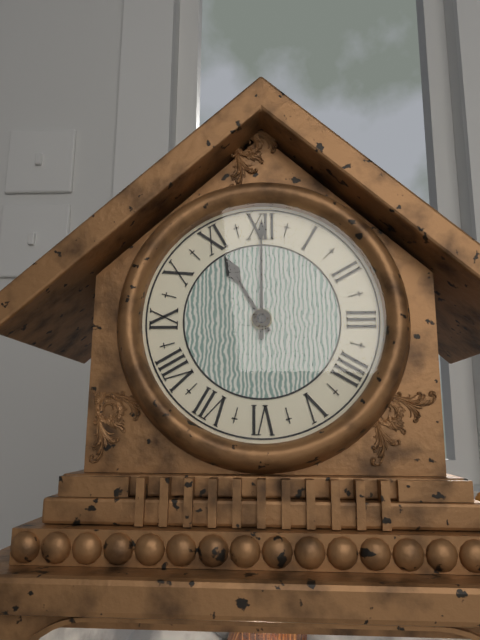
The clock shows **11:00**
